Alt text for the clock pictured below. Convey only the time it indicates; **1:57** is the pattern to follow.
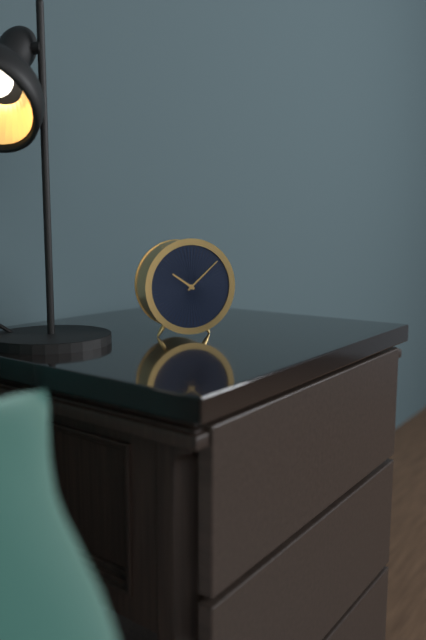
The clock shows **10:08**
